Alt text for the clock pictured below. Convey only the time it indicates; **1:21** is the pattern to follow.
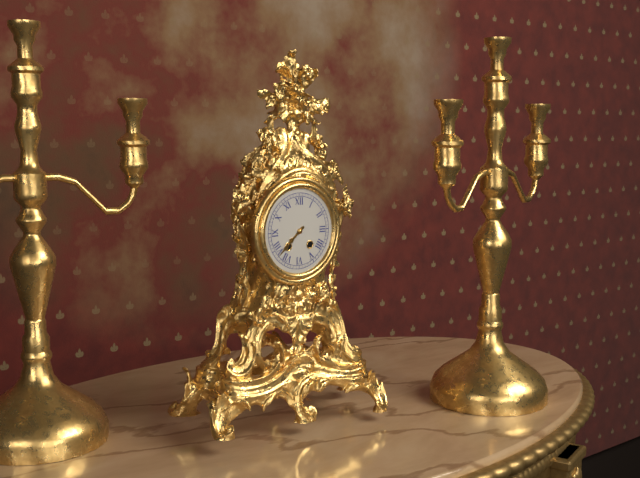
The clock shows **7:38**
